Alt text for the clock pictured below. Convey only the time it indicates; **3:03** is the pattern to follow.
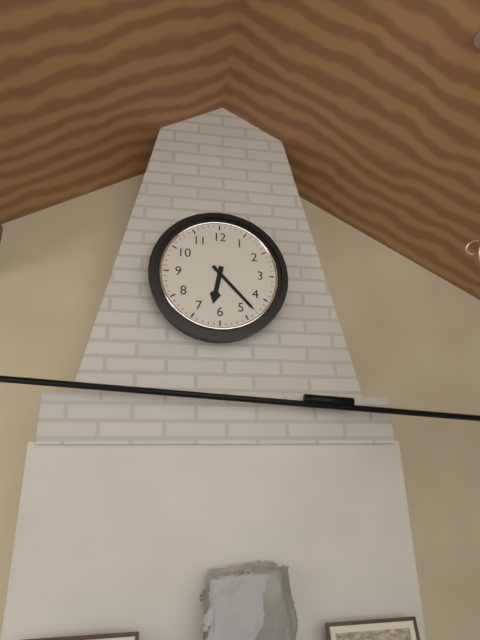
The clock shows **6:23**
